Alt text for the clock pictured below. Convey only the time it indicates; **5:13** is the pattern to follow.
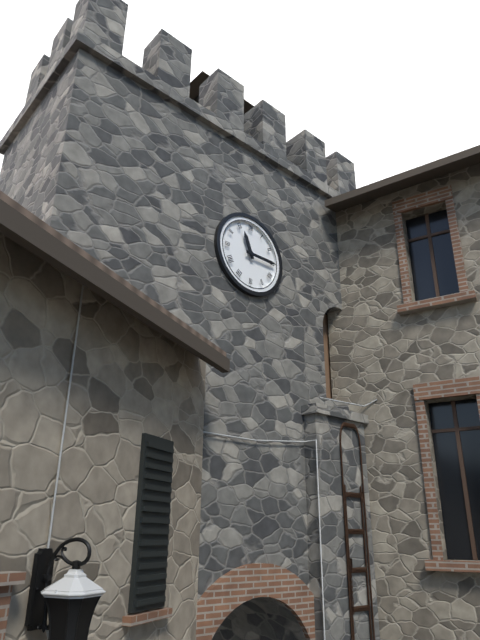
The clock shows **11:15**
